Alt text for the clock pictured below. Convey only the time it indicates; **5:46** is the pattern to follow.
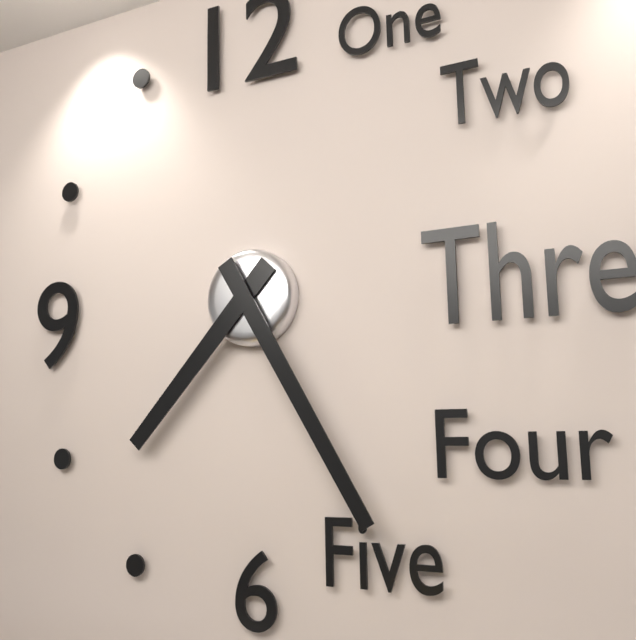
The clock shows **7:25**
